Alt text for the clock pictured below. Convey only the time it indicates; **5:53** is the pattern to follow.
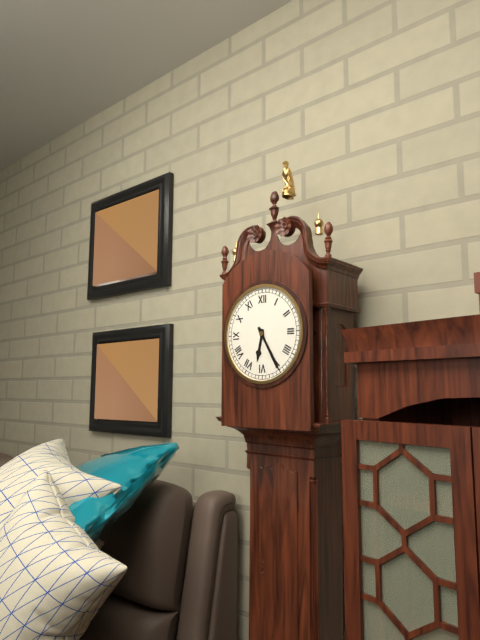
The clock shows **6:25**
